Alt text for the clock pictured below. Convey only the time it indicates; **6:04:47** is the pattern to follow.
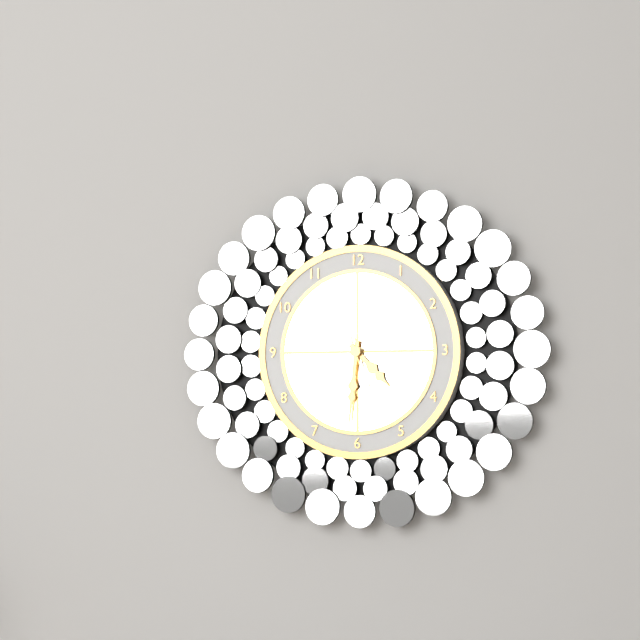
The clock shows **4:31:27**
